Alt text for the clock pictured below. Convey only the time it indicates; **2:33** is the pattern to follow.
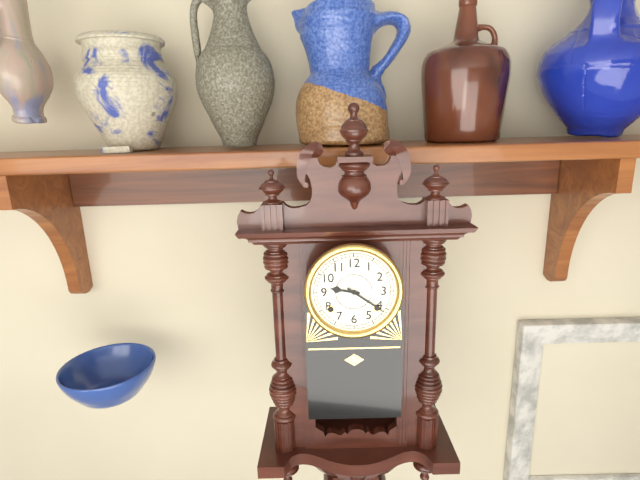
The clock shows **9:21**
